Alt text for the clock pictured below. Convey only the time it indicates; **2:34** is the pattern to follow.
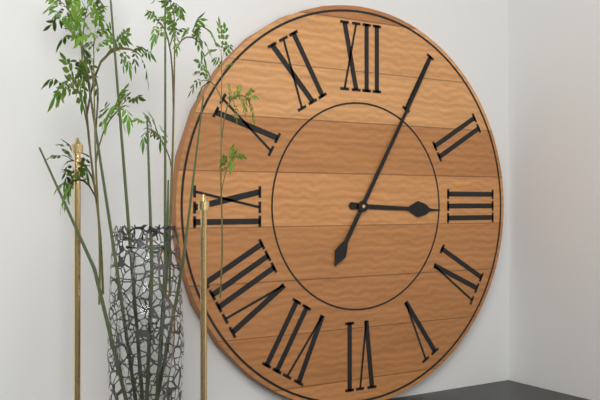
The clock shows **3:05**
